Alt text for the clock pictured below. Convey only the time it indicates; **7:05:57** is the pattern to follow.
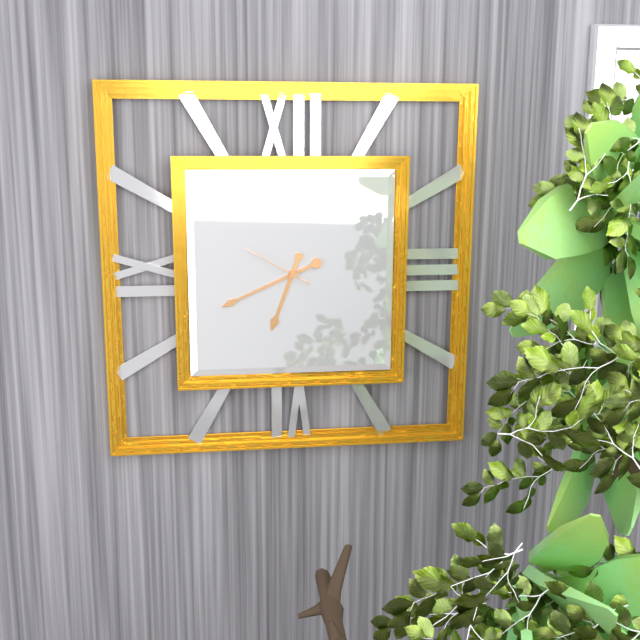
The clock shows **6:41:50**
